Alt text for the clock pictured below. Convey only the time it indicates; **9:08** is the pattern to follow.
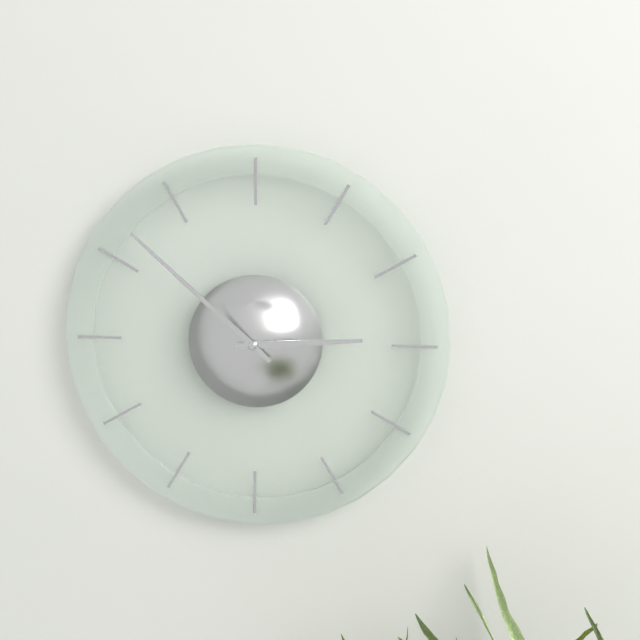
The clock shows **2:52**
